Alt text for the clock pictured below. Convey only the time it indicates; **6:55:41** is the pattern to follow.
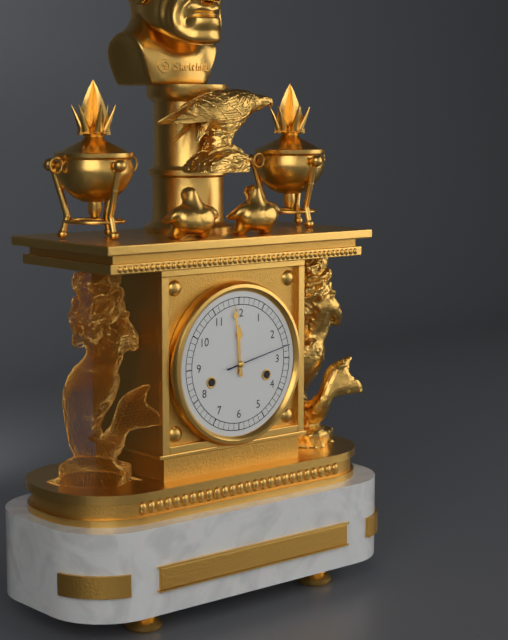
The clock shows **11:59:13**
